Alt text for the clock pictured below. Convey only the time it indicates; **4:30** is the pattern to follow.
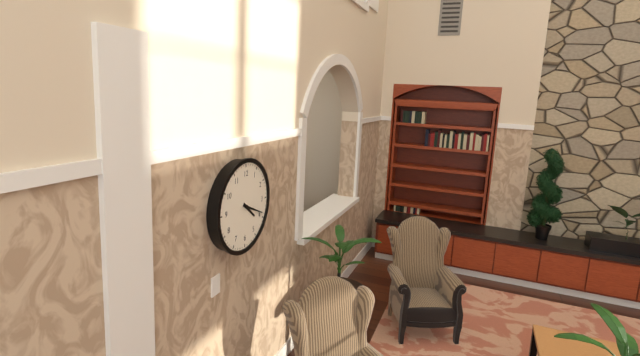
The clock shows **4:19**
